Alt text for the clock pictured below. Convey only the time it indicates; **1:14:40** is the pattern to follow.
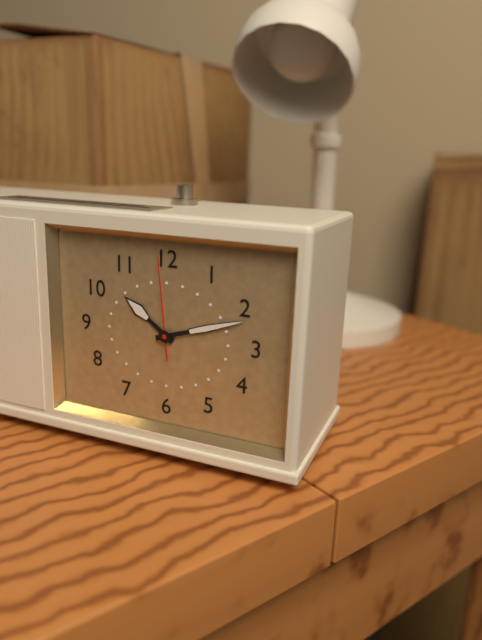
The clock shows **10:12:59**
